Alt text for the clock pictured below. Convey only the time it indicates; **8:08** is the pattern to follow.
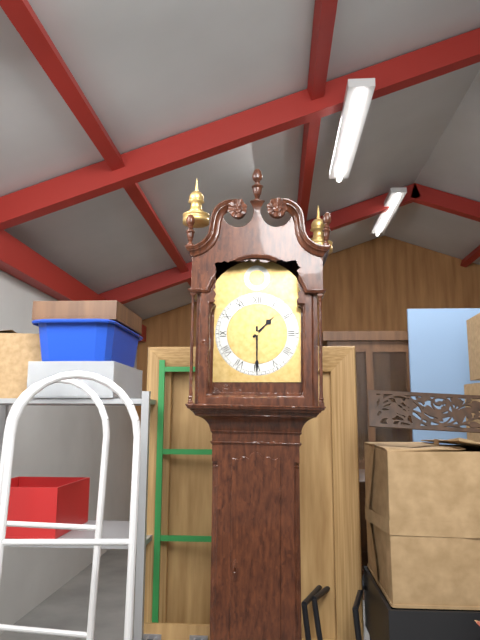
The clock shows **1:30**
